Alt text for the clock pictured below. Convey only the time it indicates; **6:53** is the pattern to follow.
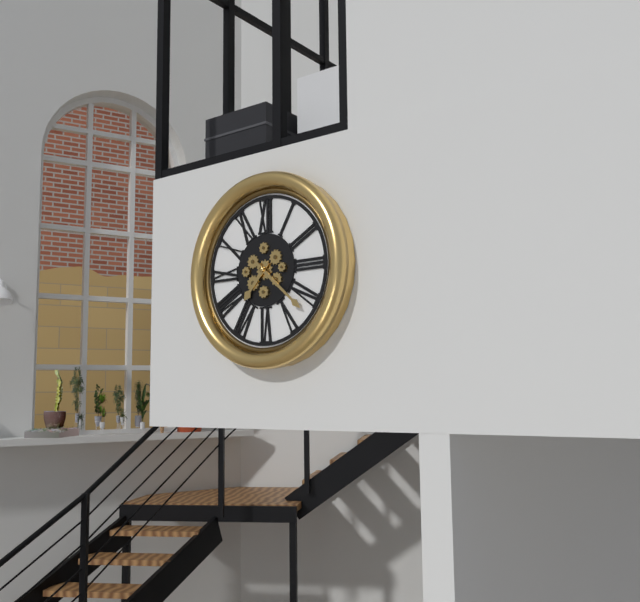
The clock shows **7:22**
